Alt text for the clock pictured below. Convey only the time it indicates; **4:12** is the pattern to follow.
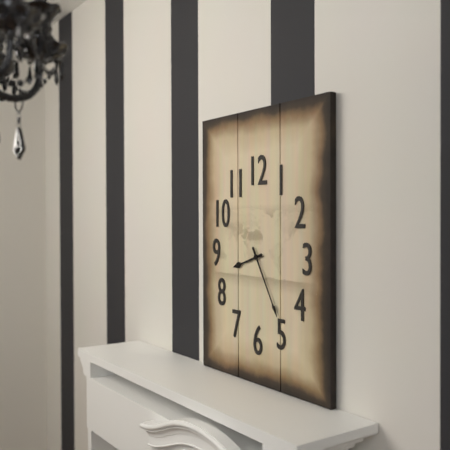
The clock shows **8:25**
